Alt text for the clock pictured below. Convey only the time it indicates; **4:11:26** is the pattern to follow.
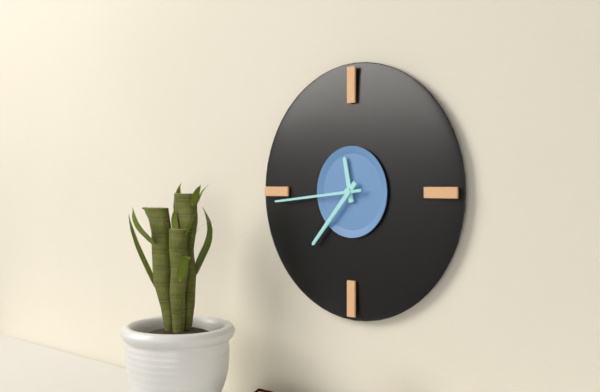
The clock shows **11:37:44**
